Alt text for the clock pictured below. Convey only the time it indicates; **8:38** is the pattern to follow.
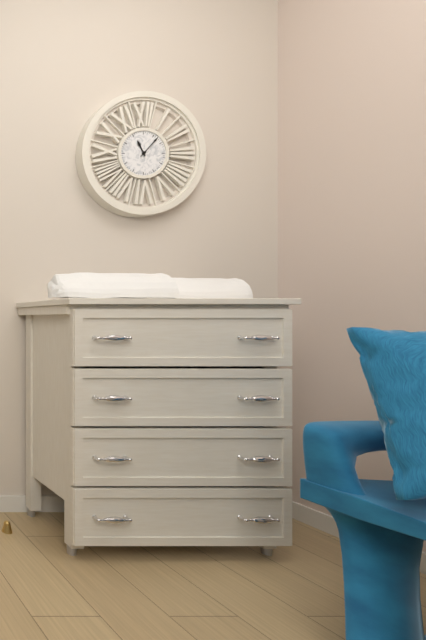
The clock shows **11:07**
